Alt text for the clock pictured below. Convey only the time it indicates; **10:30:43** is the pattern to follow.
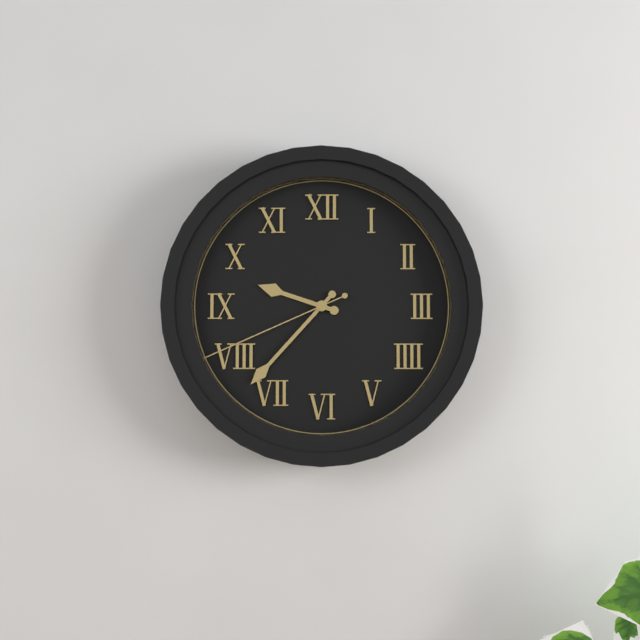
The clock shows **9:37:41**
